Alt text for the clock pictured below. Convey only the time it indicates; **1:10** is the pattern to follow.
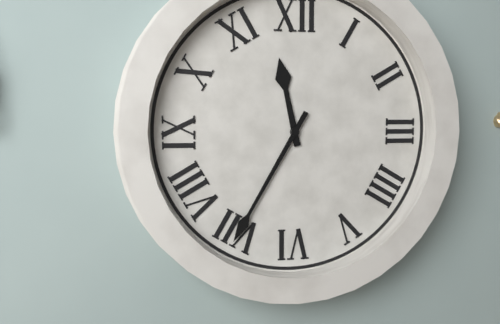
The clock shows **11:35**
